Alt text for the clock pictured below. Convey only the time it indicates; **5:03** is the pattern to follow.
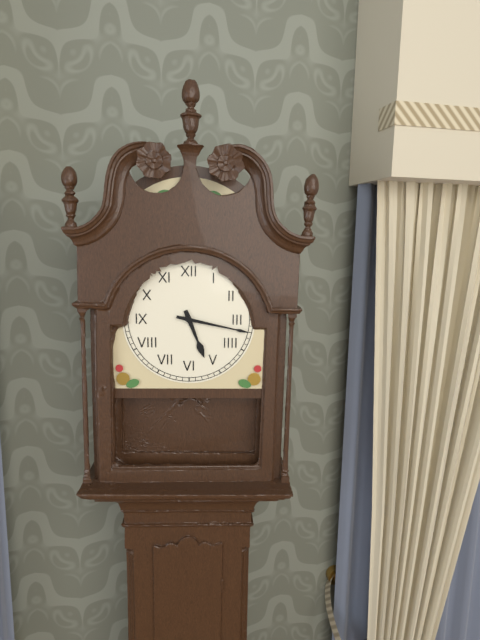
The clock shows **5:17**
